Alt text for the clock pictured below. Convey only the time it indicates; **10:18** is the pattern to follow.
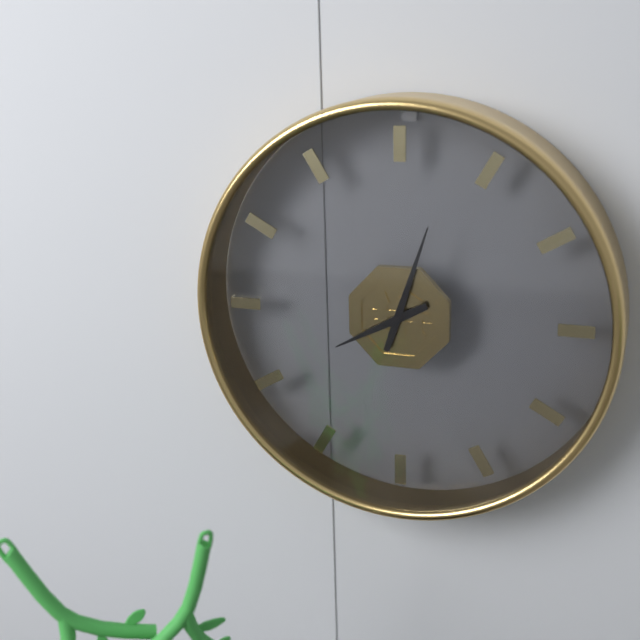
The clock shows **8:03**
